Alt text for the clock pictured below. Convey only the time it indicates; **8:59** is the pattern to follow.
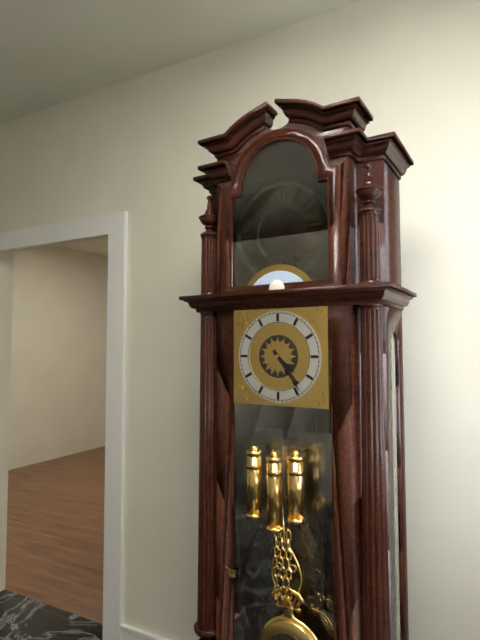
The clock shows **4:24**
